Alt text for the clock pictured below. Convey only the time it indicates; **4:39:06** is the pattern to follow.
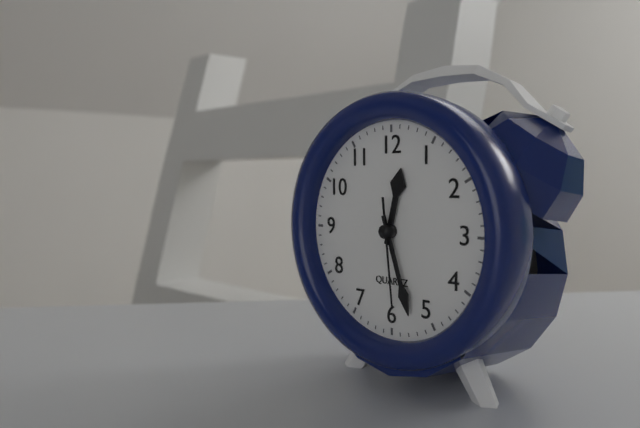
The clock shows **12:27:29**
